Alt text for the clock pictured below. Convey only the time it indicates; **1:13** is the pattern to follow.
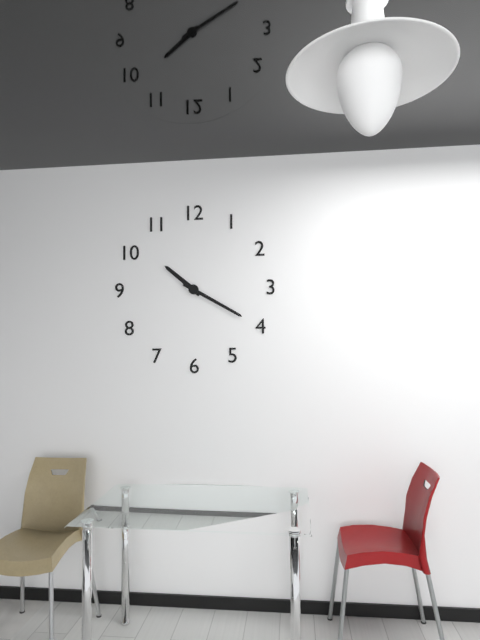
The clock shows **10:20**
